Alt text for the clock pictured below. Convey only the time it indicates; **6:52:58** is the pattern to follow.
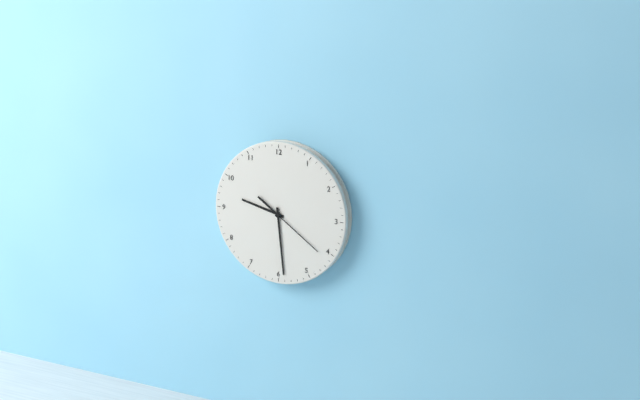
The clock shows **9:29:21**
